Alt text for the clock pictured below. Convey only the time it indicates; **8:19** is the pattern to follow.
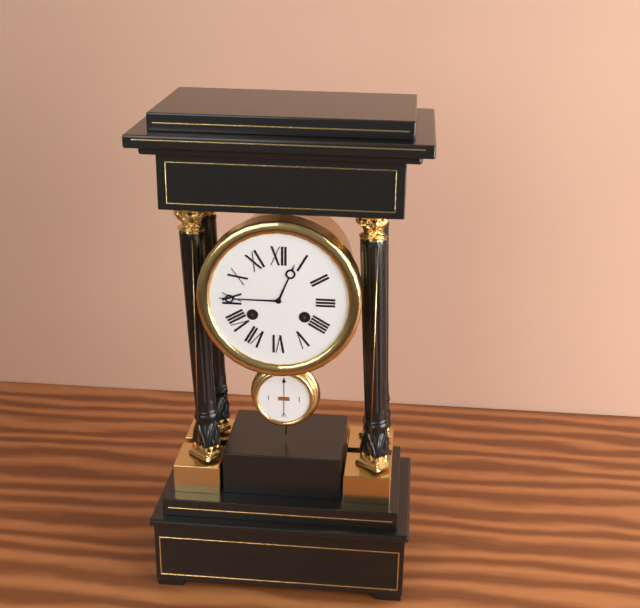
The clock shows **12:45**
